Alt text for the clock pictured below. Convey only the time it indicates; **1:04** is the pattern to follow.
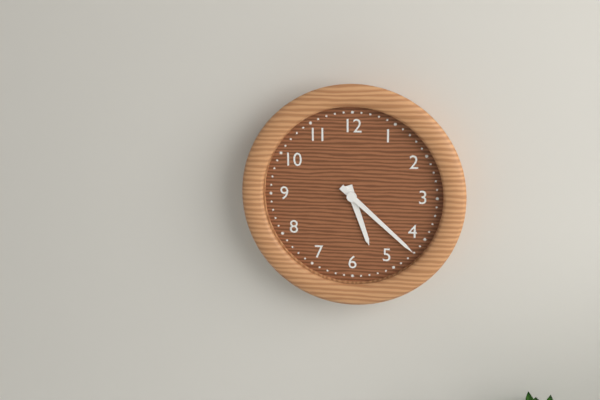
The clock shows **5:22**
